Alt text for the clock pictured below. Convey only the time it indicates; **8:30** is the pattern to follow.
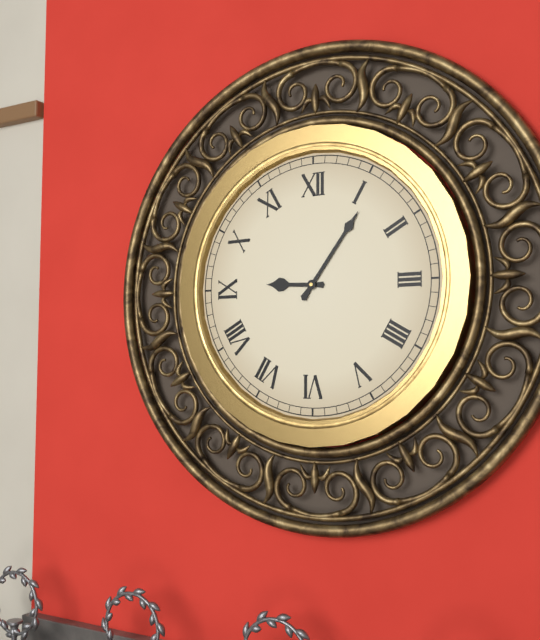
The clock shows **9:06**
